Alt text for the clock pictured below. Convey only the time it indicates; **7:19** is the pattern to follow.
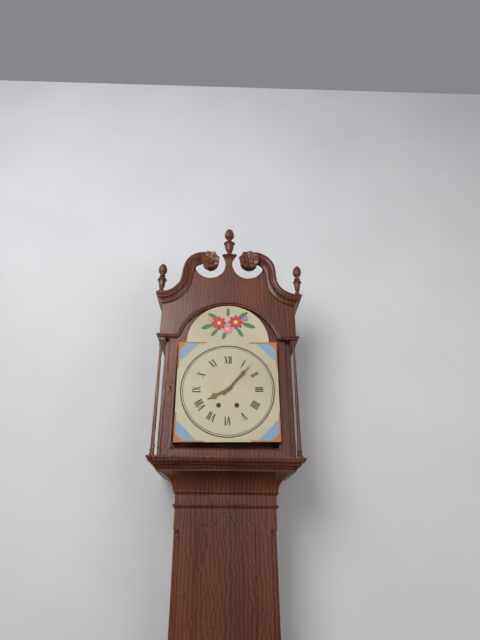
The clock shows **8:07**
